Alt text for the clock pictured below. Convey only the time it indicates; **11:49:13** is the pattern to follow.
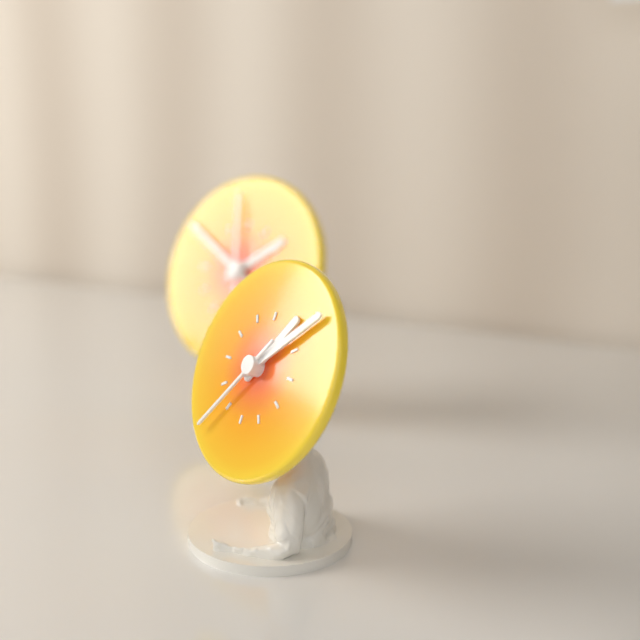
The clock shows **1:08:36**
